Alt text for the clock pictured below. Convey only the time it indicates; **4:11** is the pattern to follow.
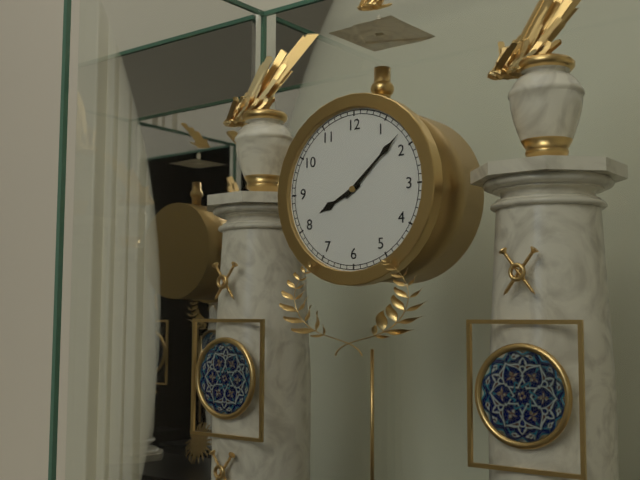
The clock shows **8:08**
